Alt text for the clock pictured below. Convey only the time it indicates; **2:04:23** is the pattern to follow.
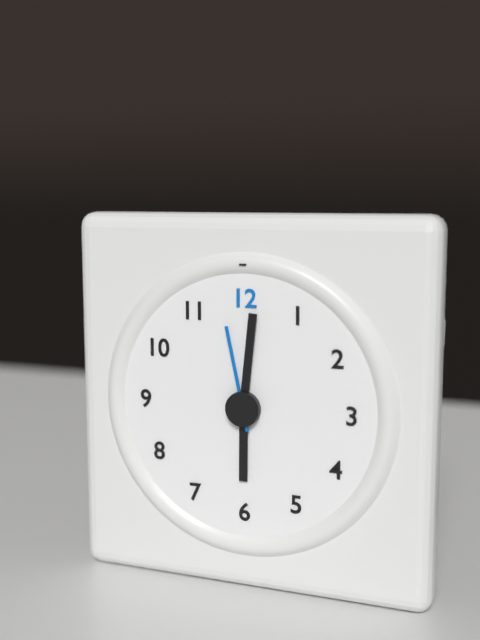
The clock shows **6:01:58**
